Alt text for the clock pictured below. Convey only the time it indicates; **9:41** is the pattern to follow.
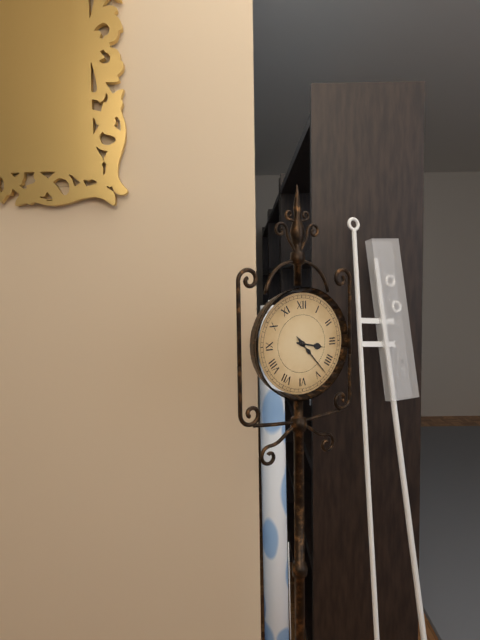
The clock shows **3:23**
